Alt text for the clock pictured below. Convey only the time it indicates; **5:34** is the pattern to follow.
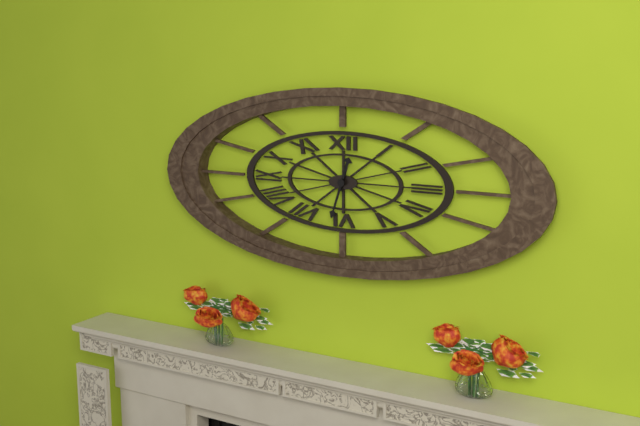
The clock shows **12:33**
